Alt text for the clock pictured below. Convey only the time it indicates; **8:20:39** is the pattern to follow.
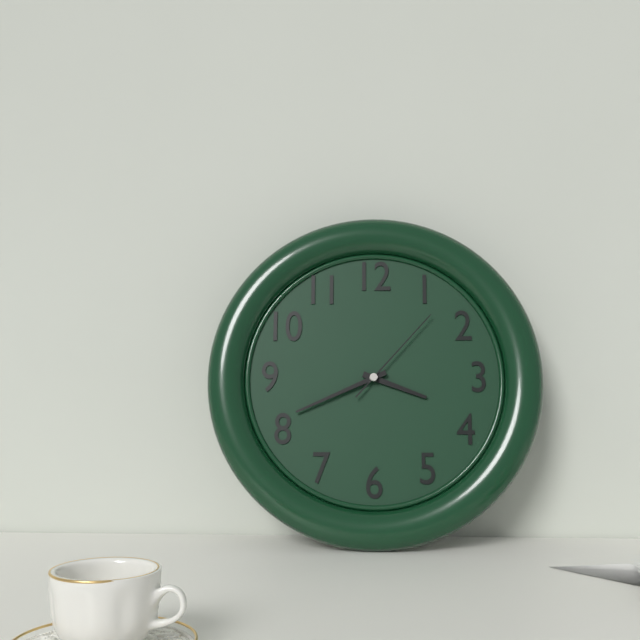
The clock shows **3:41:07**
